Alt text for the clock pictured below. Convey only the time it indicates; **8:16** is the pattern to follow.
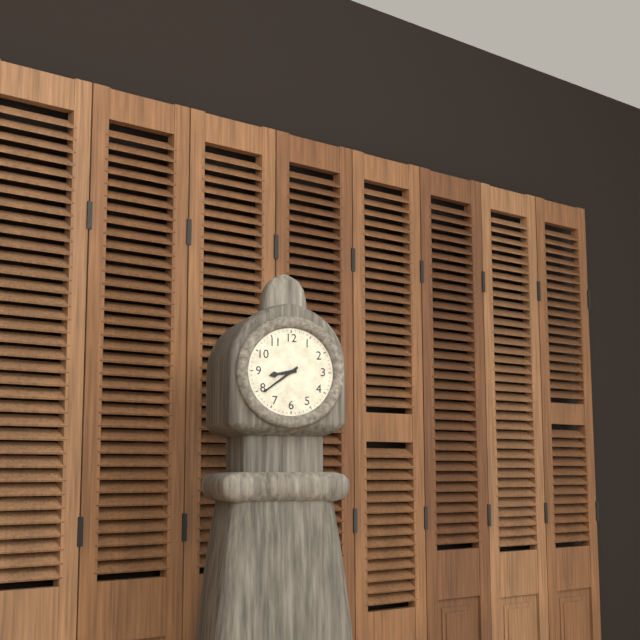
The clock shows **8:39**
